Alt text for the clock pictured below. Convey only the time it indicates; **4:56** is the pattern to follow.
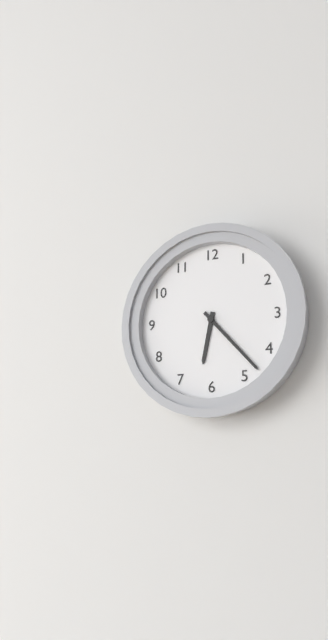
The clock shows **6:23**
